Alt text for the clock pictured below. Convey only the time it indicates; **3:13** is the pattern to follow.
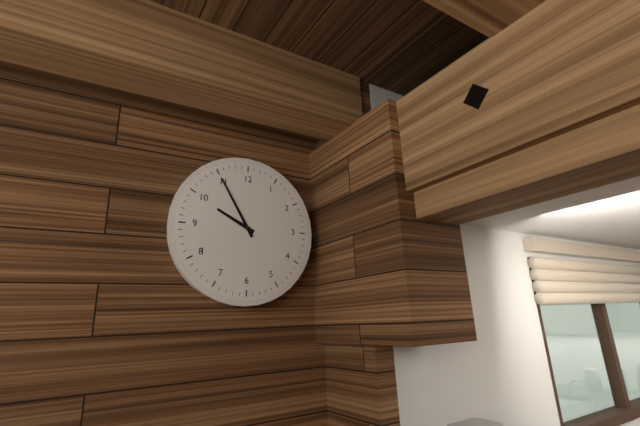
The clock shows **9:55**
